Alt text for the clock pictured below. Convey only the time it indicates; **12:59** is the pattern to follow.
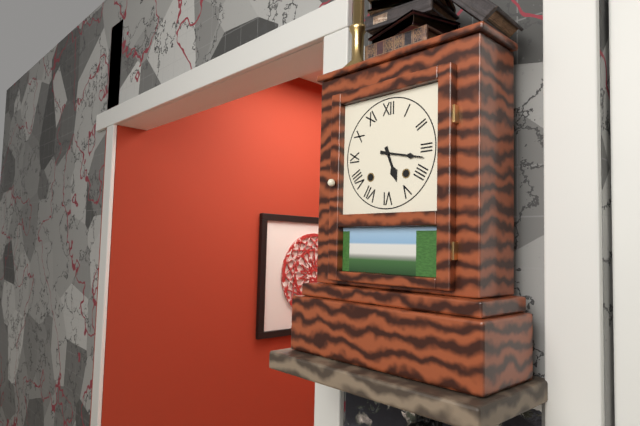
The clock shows **5:17**
